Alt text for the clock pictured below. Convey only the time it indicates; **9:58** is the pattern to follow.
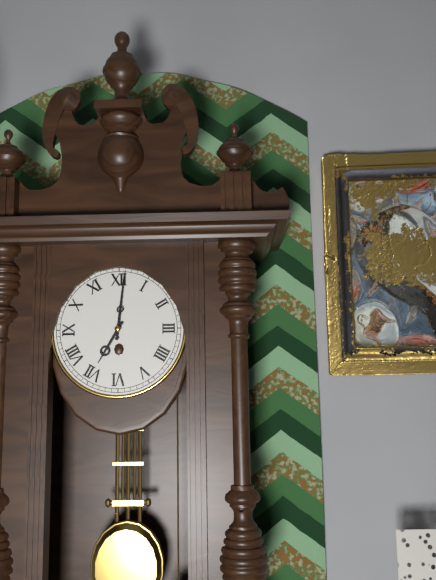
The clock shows **7:01**
